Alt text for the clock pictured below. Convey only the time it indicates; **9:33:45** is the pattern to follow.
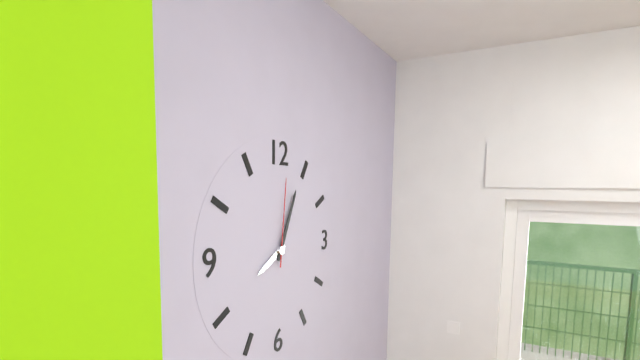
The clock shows **8:04:01**
